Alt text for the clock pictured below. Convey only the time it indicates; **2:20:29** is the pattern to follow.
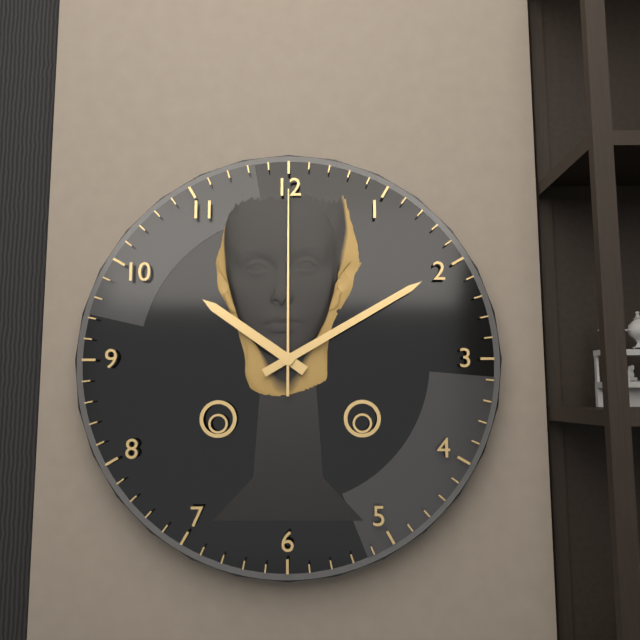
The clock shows **10:10:00**
